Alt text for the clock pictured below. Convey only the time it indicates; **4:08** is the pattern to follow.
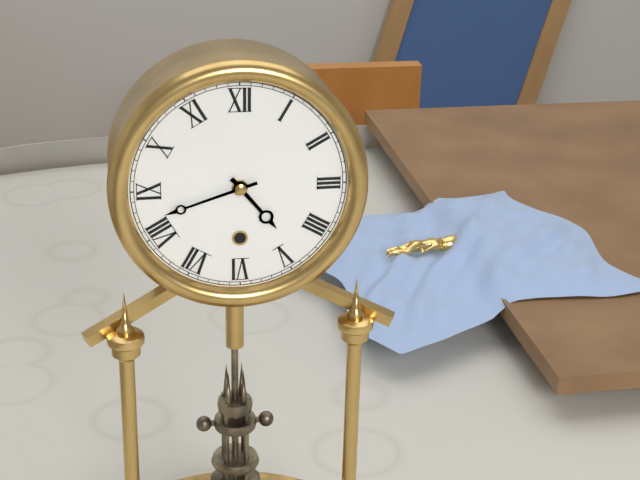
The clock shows **4:42**
